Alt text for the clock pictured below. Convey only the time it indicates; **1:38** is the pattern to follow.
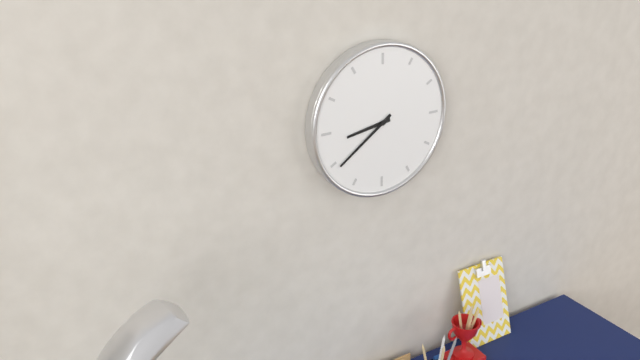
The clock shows **8:39**
